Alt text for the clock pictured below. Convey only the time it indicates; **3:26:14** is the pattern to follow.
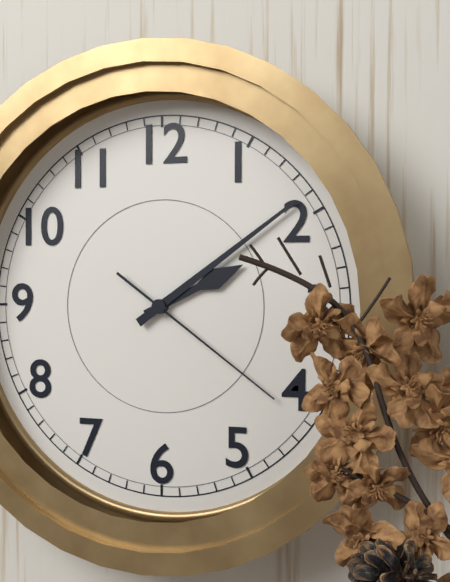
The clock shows **2:09:21**
